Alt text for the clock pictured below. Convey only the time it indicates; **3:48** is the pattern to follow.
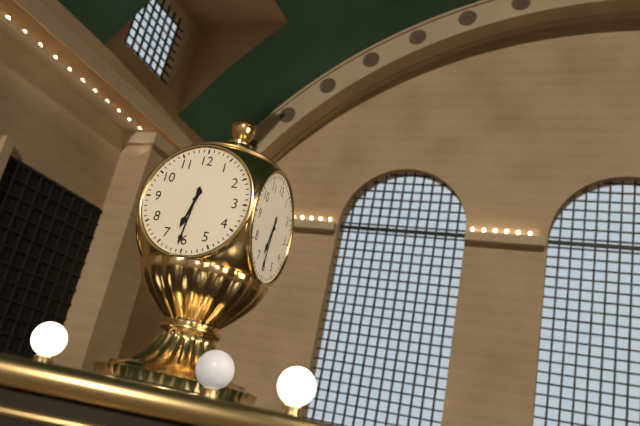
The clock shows **6:31**
